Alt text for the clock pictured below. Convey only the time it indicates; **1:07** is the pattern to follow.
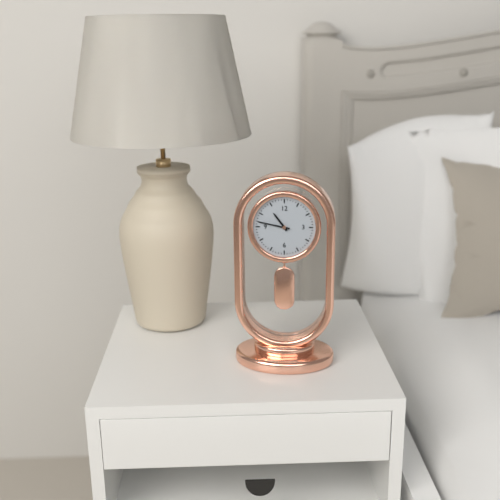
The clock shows **10:47**
